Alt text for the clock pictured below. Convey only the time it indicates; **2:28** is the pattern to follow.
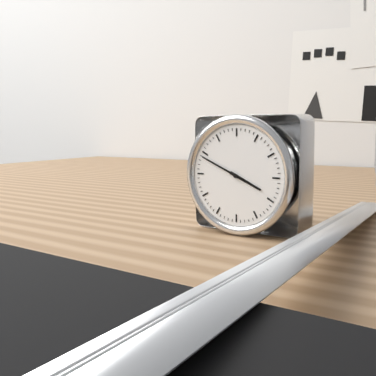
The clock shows **3:49**
